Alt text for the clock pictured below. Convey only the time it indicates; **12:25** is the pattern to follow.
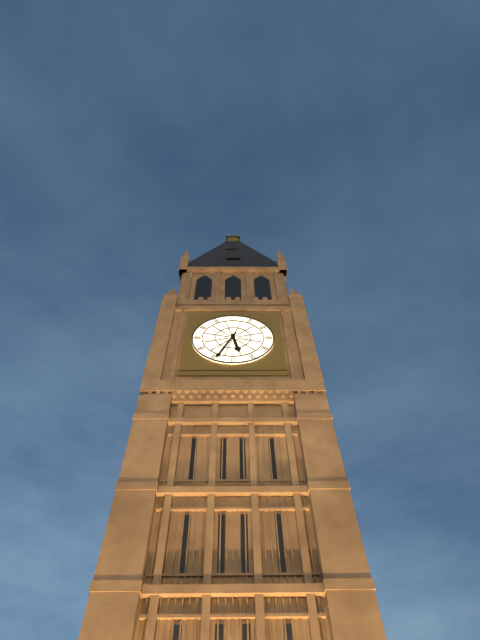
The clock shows **5:34**
